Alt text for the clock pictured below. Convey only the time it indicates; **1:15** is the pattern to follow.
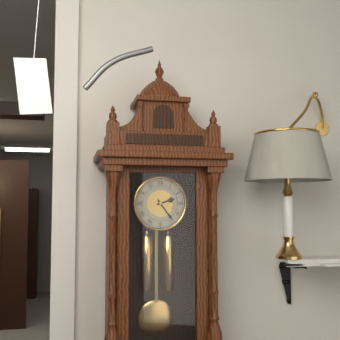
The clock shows **2:24**
